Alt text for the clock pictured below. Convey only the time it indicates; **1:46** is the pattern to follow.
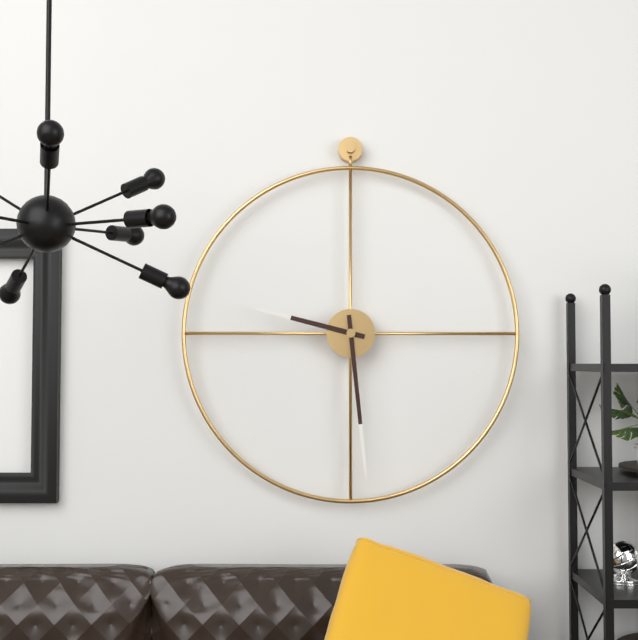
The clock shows **9:29**
